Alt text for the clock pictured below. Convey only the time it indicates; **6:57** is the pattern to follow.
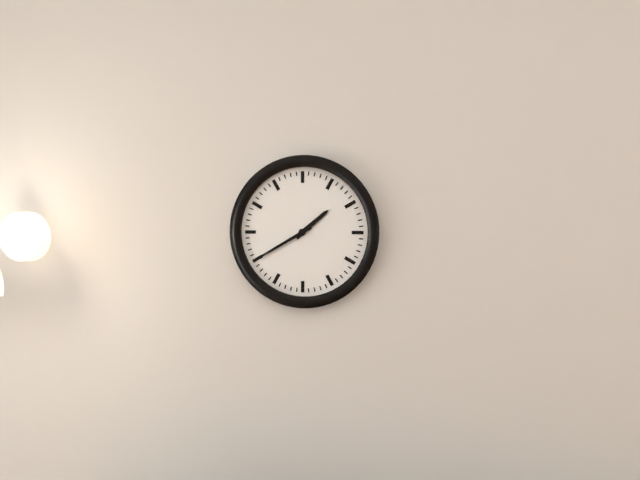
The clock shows **1:40**
